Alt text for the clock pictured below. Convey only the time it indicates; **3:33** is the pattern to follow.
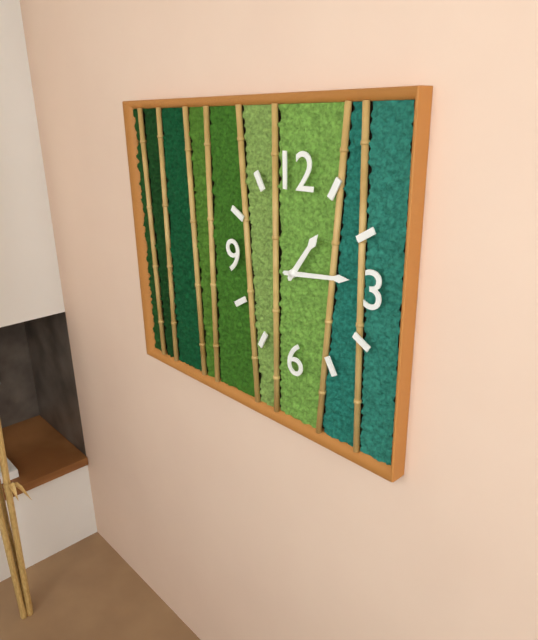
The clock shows **1:14**
